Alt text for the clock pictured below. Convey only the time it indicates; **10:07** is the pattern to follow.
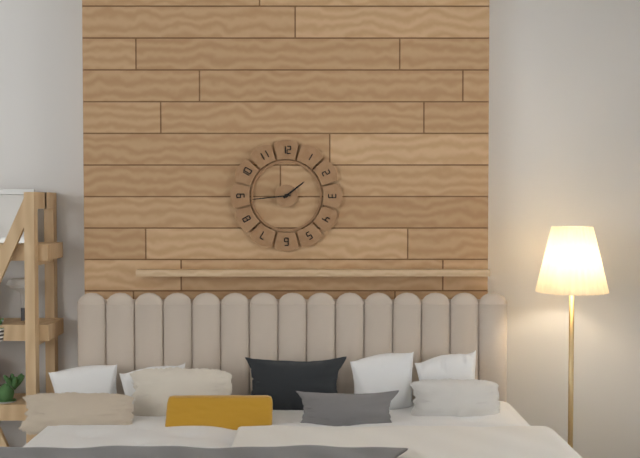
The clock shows **1:44**
